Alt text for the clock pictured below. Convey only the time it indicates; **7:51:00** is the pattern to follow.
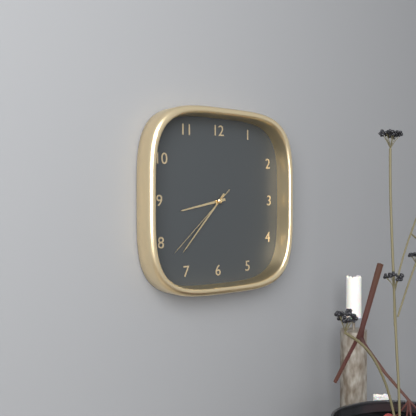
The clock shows **8:37:38**
